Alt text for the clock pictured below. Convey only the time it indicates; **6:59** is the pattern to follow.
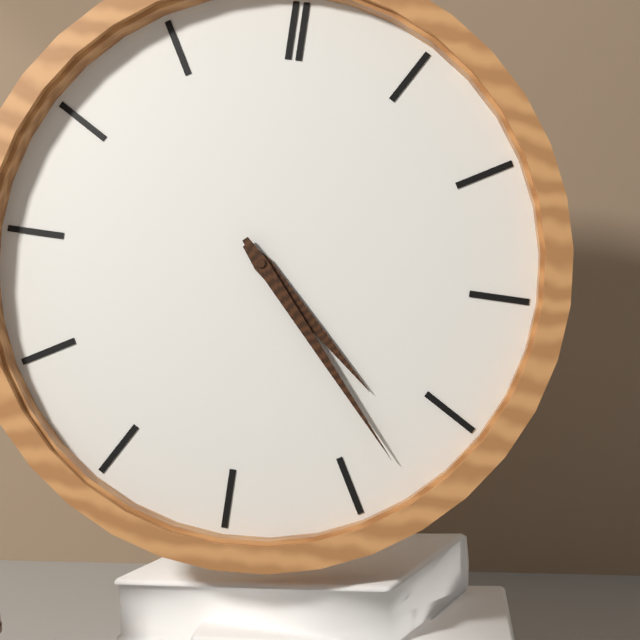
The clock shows **4:23**
